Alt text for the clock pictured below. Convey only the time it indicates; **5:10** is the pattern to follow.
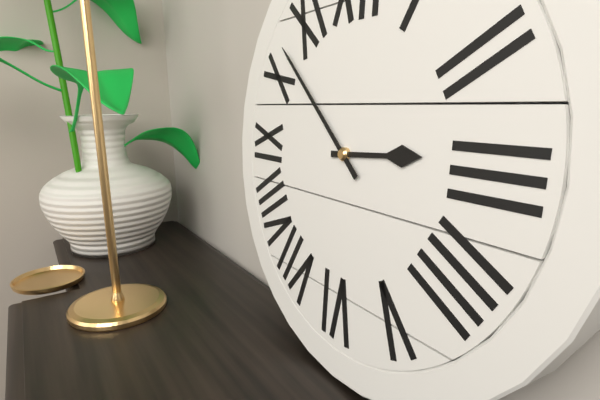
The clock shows **2:52**
